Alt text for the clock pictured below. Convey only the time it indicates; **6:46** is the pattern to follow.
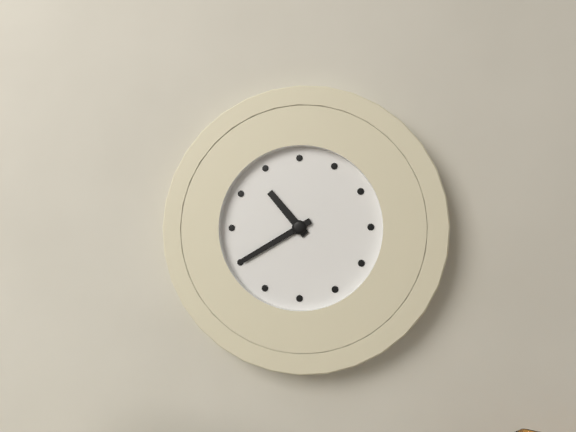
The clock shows **10:40**
